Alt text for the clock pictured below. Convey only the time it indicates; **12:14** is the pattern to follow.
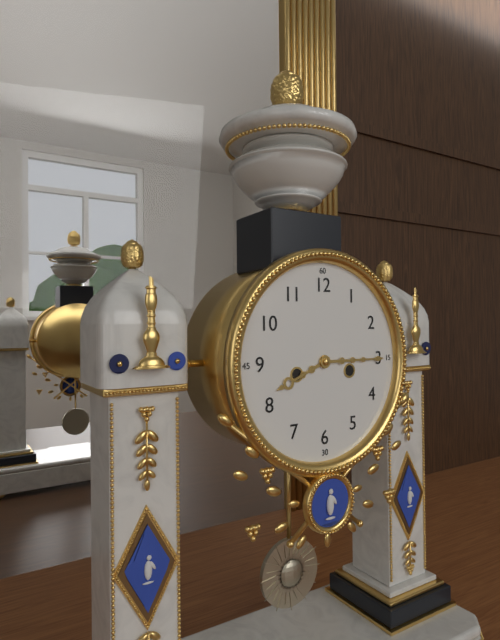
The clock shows **8:15**
